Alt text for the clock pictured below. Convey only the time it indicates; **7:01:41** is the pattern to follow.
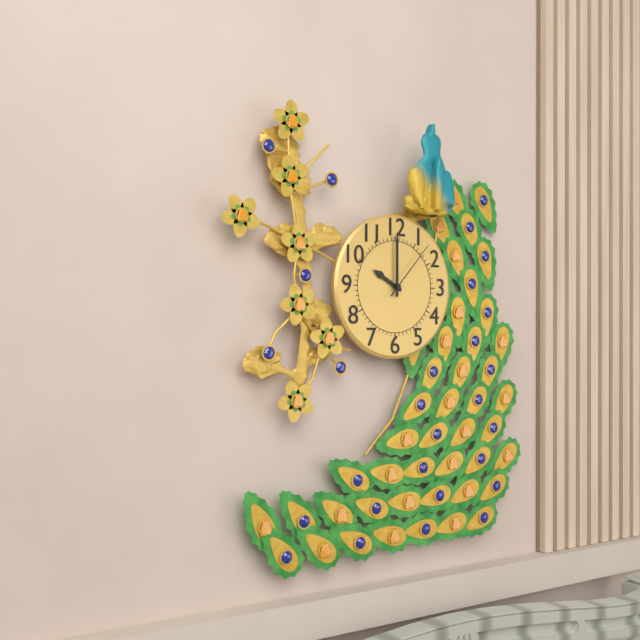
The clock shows **10:00:07**
